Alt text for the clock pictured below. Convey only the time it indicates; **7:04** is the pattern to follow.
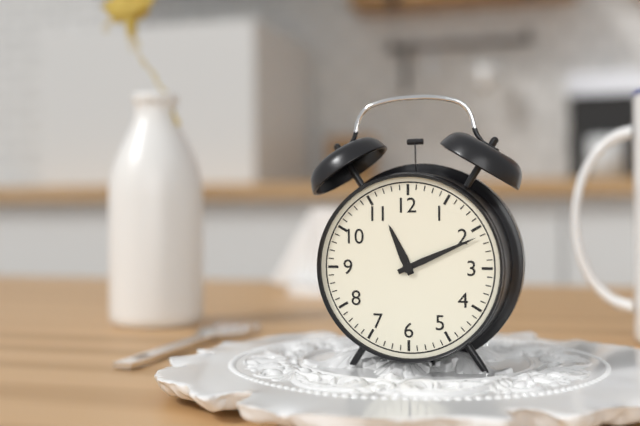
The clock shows **11:11**
